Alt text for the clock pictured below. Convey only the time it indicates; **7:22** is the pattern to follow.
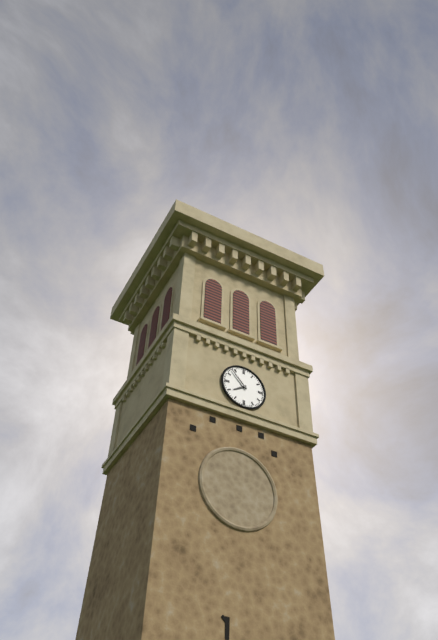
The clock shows **7:53**
